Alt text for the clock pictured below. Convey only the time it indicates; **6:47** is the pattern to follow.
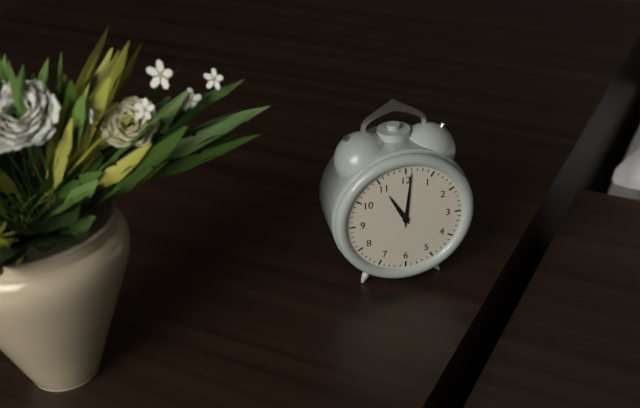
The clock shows **11:01**
